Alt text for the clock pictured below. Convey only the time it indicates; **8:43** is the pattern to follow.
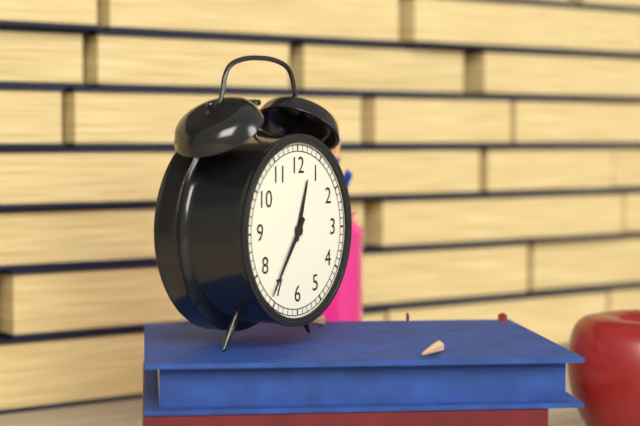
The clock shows **12:36**
